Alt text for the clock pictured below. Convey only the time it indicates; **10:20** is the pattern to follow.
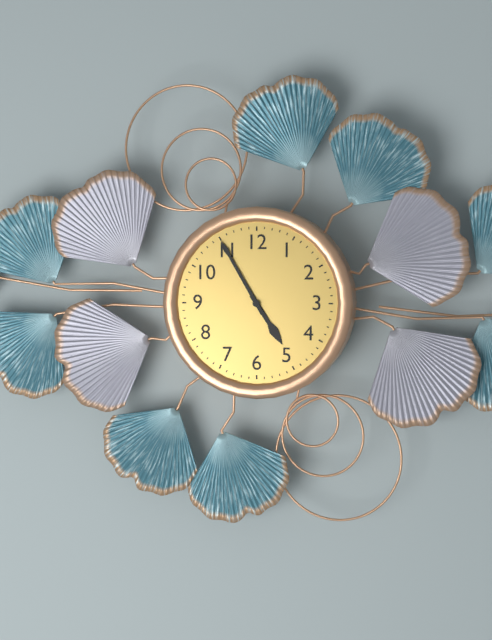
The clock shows **4:55**
